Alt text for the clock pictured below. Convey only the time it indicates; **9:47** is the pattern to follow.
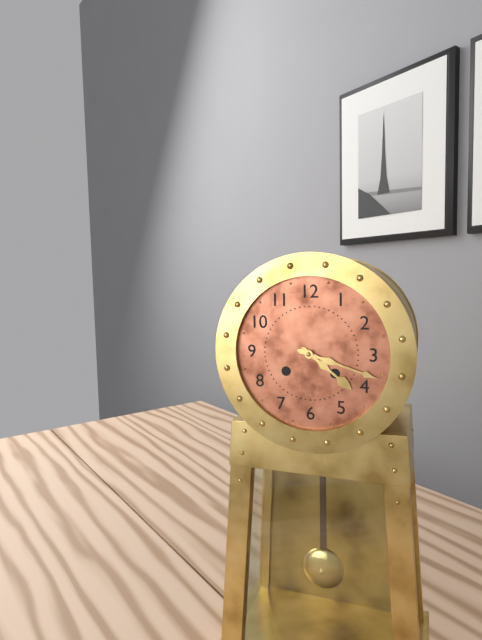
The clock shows **4:18**
